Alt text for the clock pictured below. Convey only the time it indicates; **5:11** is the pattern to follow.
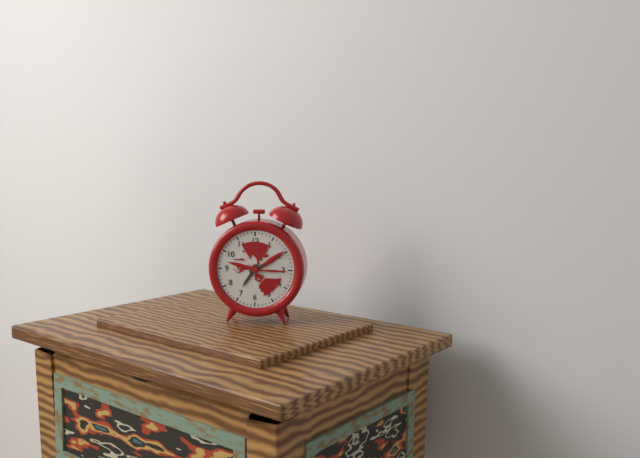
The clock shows **7:10**
